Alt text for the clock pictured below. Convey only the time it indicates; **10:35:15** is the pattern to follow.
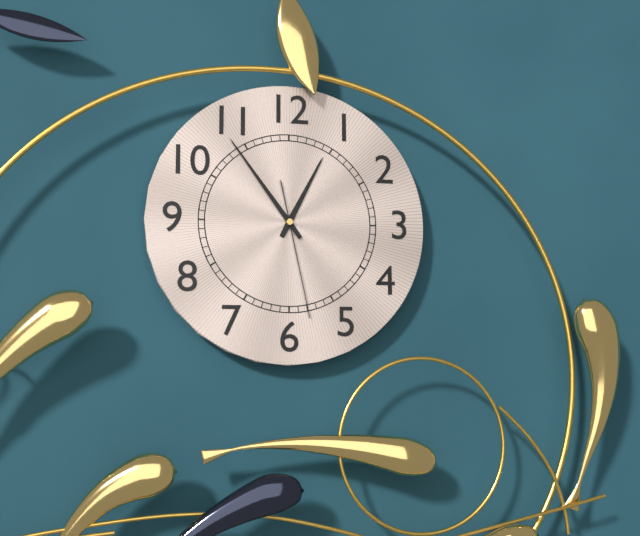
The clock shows **12:54:28**
